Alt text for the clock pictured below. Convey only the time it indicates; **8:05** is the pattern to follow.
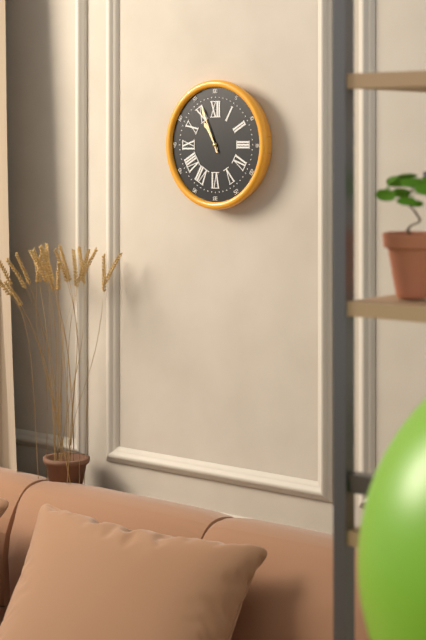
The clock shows **10:56**
